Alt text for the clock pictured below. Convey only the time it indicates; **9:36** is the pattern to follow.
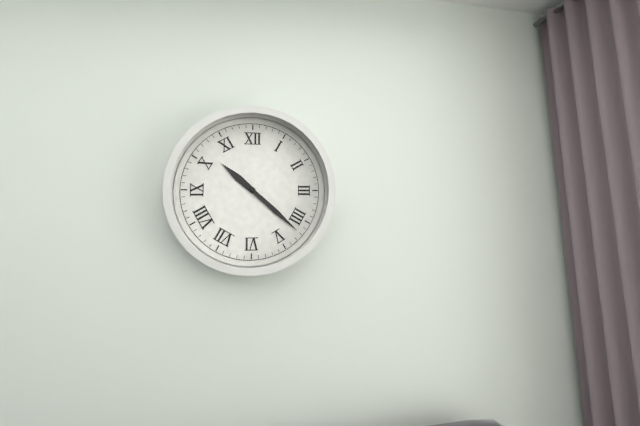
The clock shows **10:22**
